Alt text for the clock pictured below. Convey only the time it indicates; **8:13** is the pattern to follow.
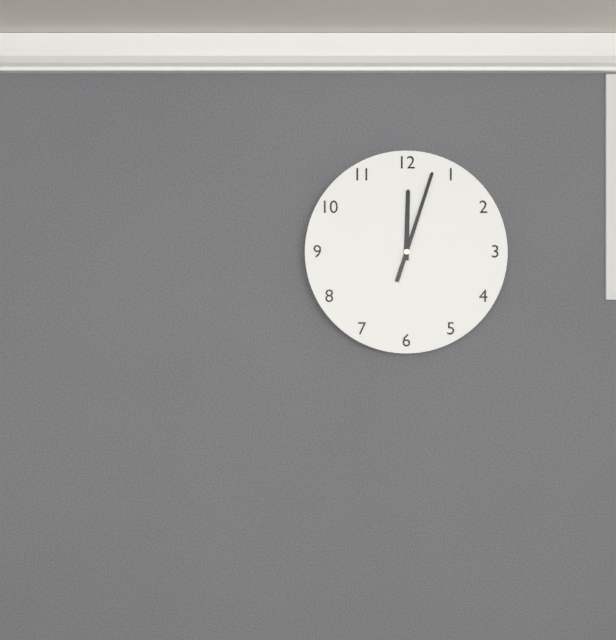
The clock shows **12:03**
